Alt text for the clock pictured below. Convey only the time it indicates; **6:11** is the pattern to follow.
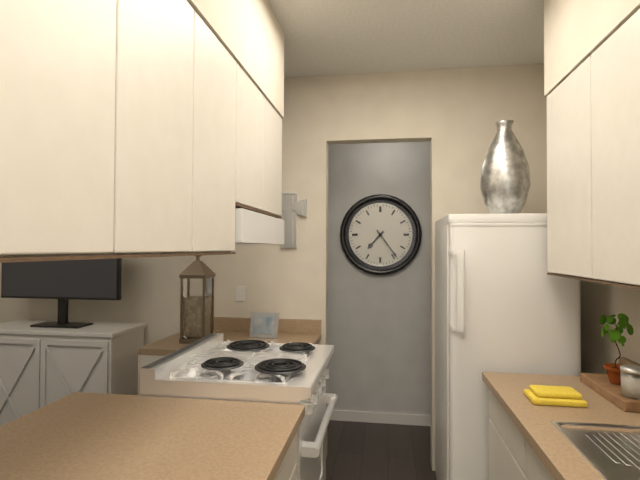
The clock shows **7:24**
